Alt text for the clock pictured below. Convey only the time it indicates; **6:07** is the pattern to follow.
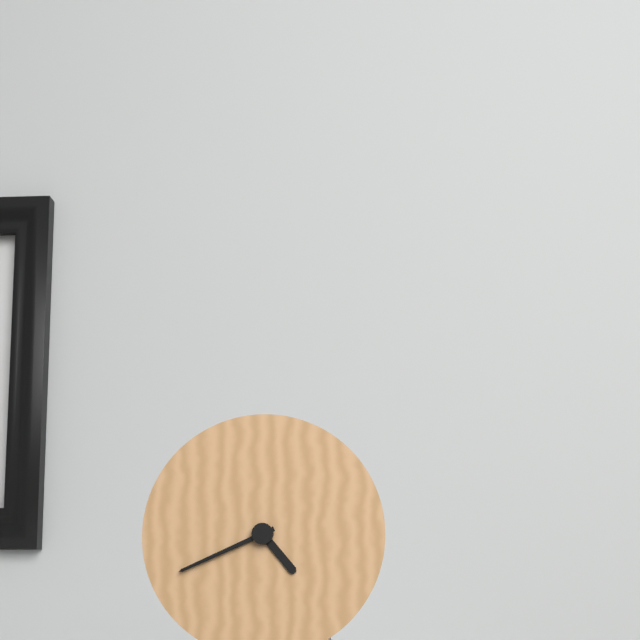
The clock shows **4:41**
